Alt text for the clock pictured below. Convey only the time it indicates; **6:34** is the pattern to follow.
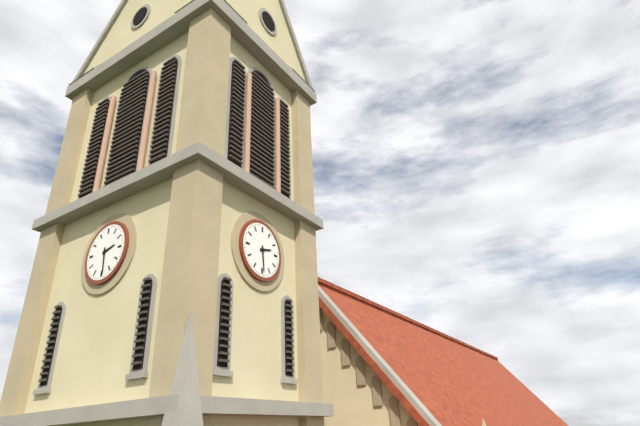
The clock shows **2:29**
